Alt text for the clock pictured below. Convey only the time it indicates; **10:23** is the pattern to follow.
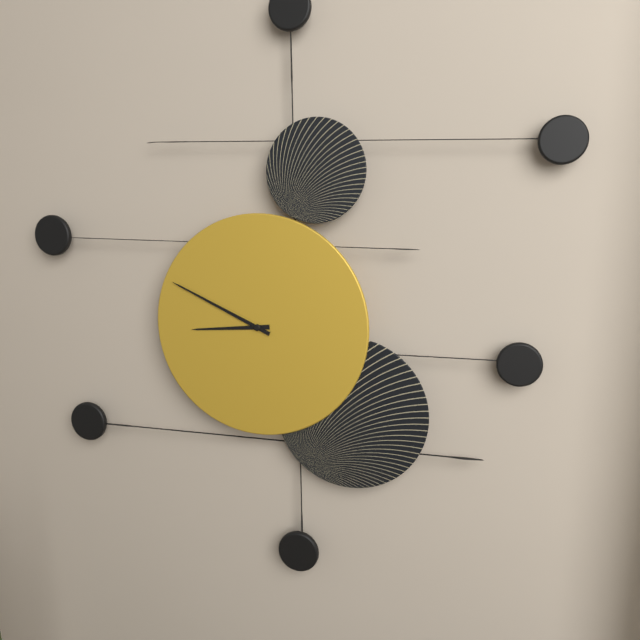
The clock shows **8:49**
